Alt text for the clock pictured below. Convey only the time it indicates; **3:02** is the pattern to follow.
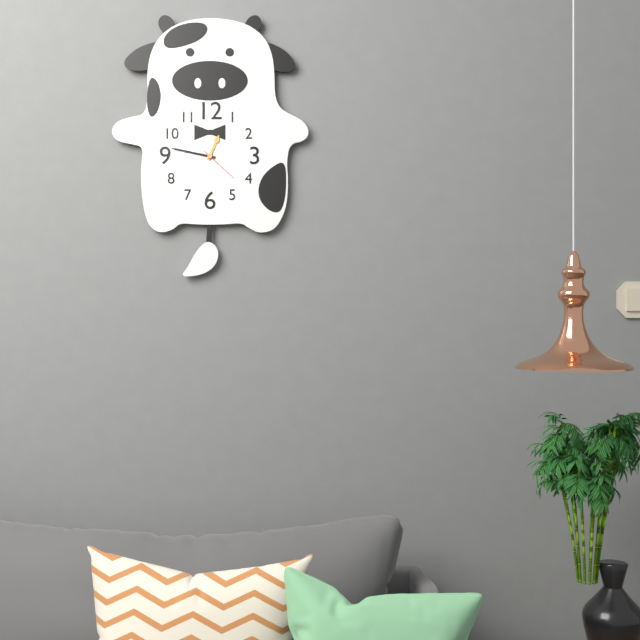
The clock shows **12:47**
